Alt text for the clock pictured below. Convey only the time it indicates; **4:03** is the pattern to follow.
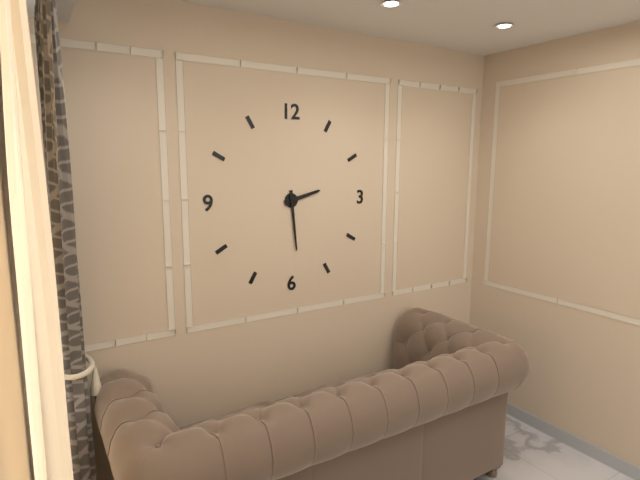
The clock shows **2:29**
